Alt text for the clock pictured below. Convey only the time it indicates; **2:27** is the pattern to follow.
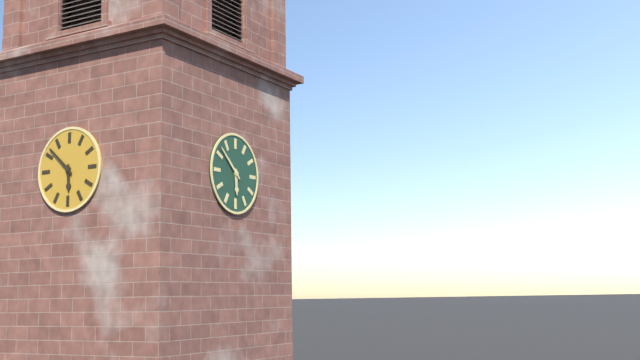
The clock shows **5:52**
